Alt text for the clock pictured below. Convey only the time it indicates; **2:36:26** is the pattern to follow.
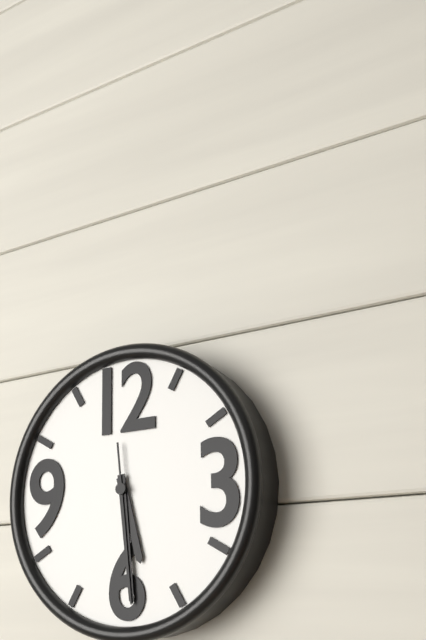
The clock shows **5:29:29**
